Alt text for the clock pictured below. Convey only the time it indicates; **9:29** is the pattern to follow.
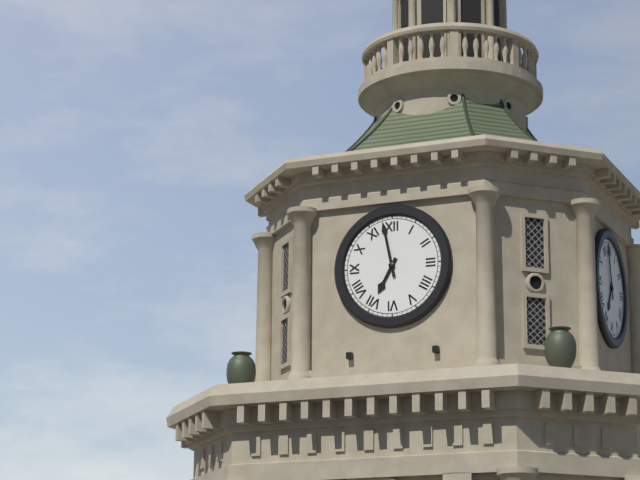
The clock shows **6:58**
